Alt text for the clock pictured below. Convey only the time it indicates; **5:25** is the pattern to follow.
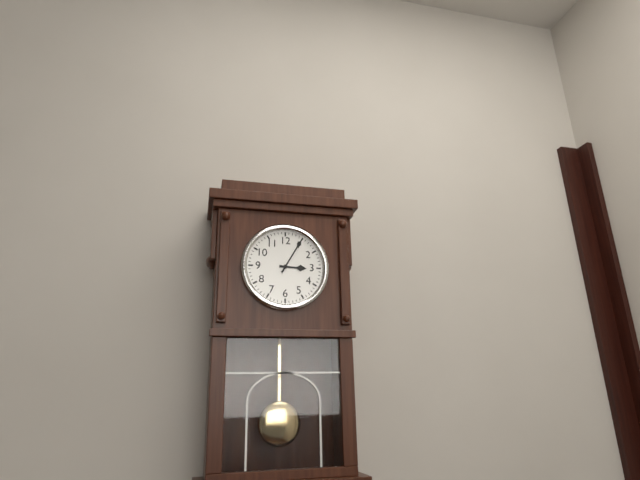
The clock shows **3:05**
